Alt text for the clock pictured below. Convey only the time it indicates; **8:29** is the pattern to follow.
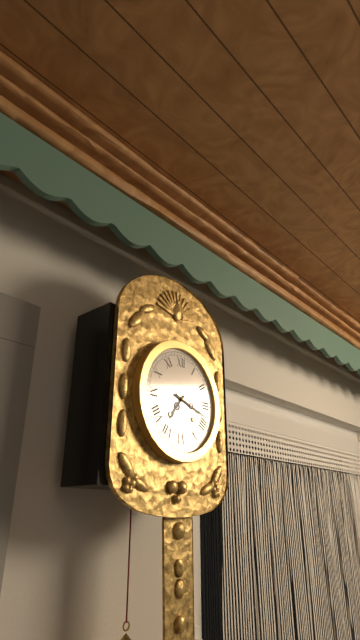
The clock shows **7:18**
